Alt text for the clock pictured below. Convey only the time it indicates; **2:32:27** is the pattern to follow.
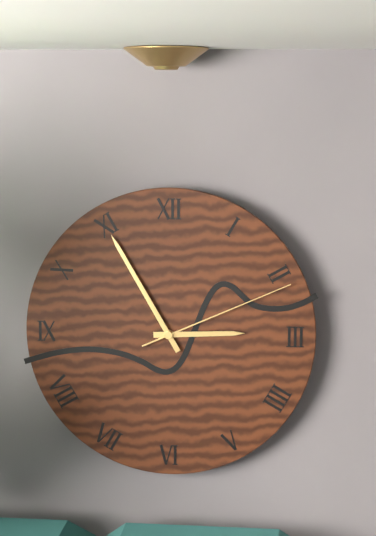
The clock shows **2:55:11**
